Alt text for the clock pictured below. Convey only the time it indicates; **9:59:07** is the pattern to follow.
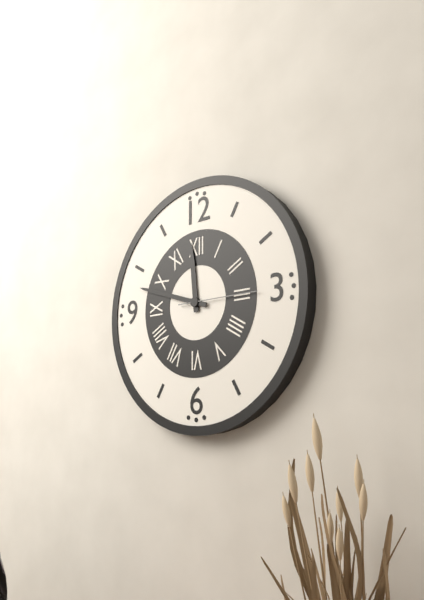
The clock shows **11:48:15**
